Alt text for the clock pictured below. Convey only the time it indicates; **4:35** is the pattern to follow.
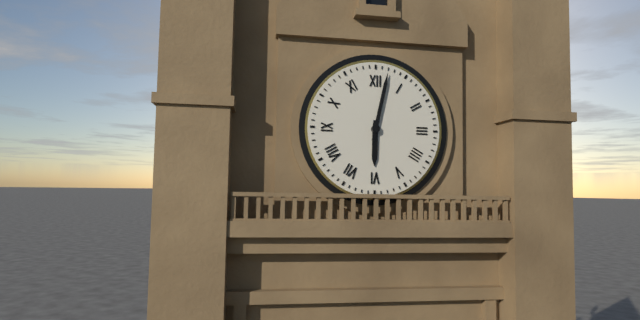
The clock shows **6:02**
